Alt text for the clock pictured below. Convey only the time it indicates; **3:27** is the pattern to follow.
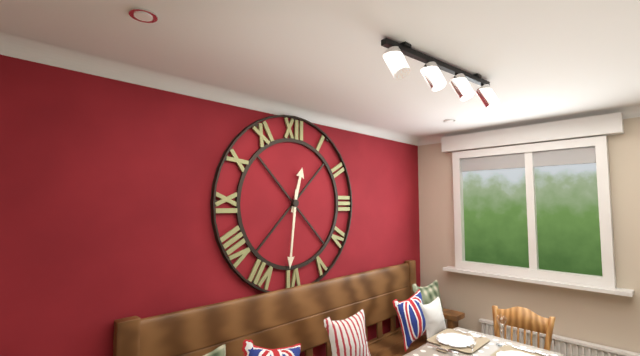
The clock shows **12:31**
